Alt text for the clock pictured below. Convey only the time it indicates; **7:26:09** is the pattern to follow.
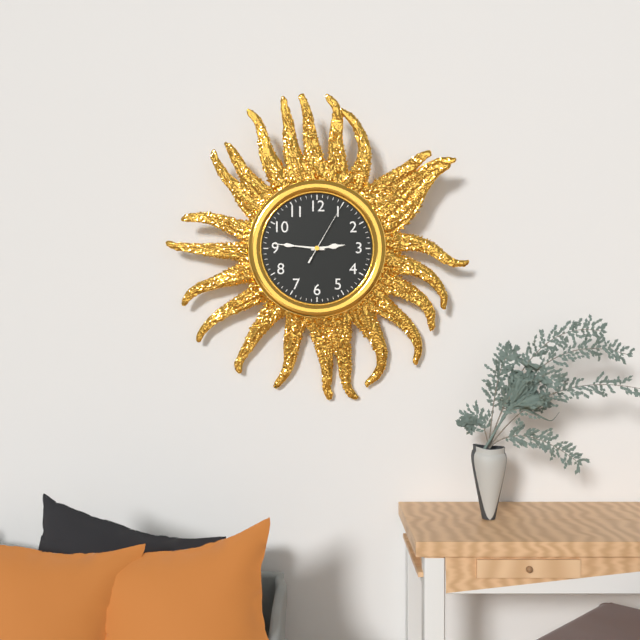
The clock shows **2:46:05**
